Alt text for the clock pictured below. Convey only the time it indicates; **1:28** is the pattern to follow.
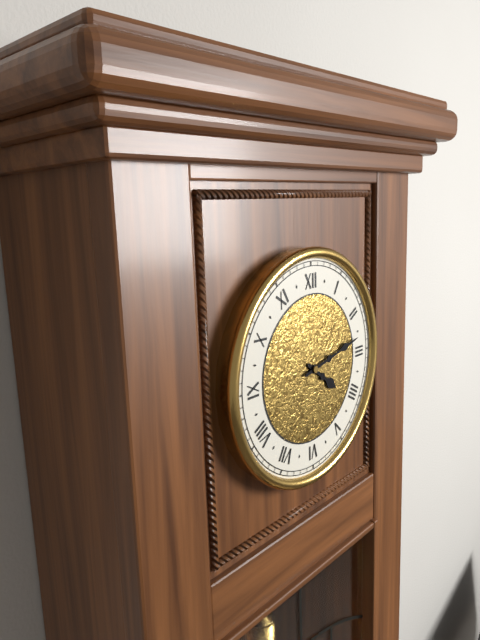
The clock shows **4:13**
